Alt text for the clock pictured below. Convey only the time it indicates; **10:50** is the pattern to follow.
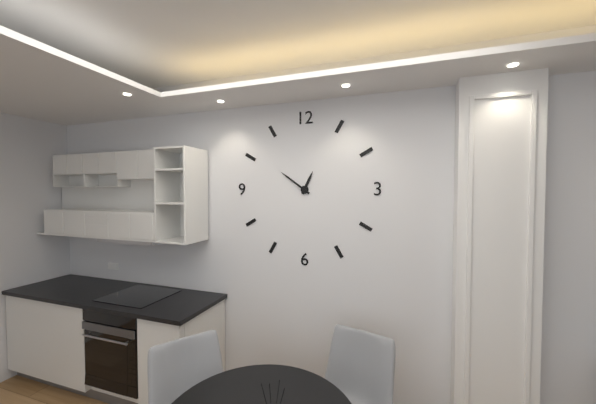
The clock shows **12:51**
